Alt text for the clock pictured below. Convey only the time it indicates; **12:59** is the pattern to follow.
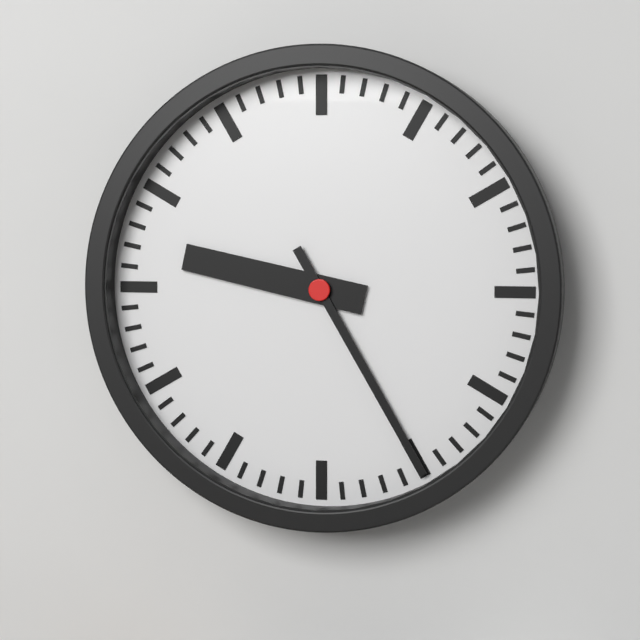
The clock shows **9:25**
